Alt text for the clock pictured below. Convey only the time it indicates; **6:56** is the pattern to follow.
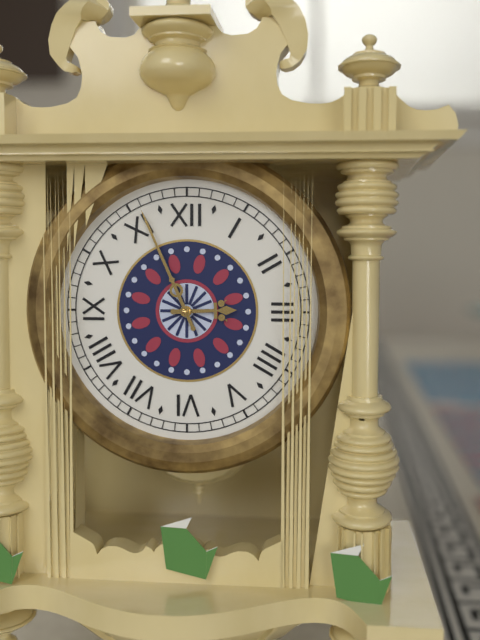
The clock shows **2:56**
